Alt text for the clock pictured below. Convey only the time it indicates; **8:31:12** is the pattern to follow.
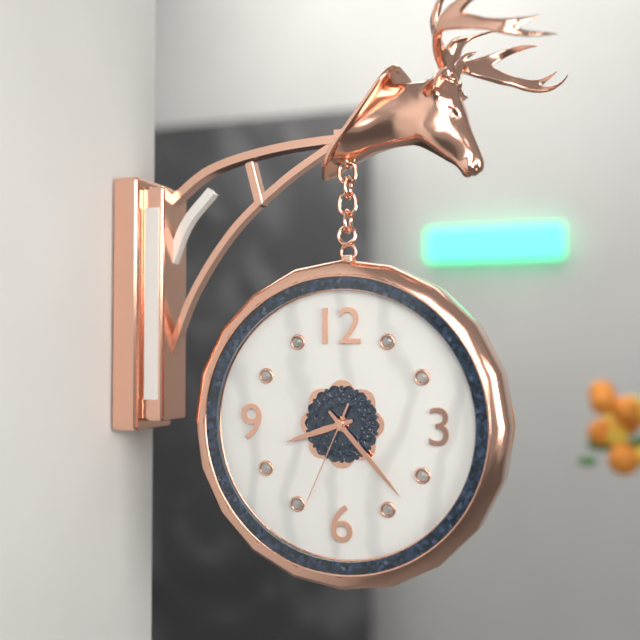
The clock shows **8:23:34**
